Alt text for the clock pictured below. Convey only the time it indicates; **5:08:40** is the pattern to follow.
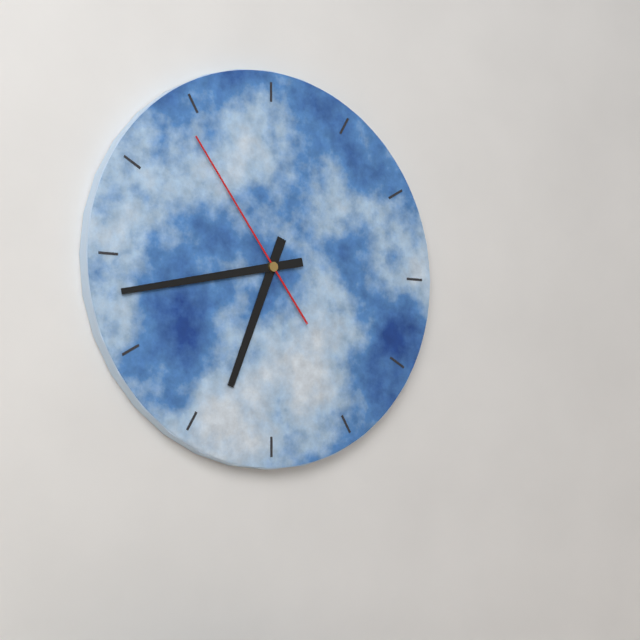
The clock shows **6:43:54**
